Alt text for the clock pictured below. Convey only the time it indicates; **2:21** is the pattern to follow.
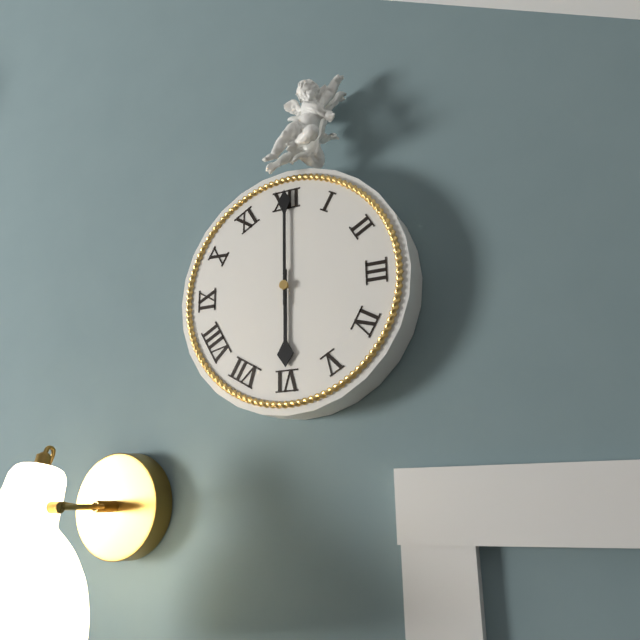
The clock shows **6:00**
